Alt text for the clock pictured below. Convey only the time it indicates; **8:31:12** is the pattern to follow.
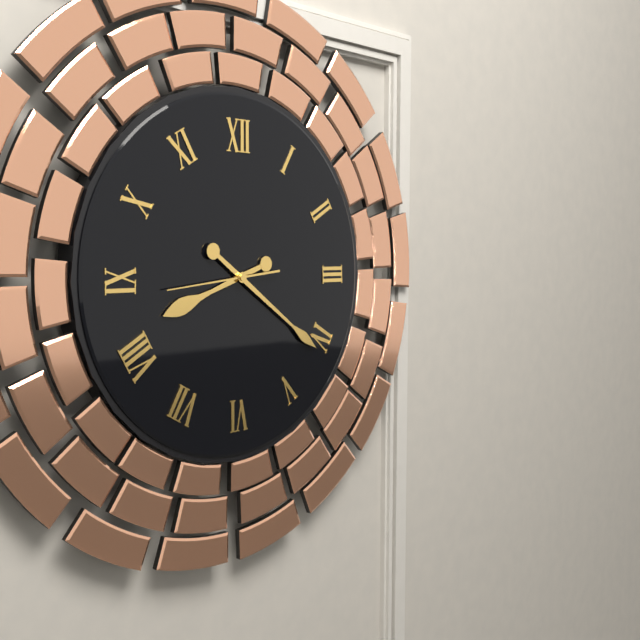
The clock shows **8:21:44**
